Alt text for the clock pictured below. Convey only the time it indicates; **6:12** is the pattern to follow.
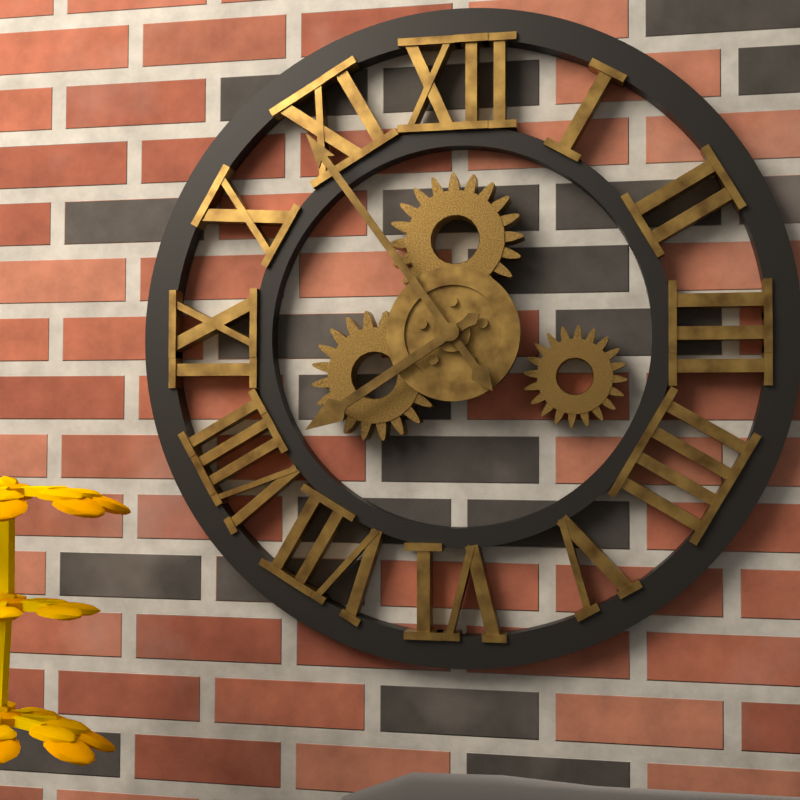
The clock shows **7:54**
